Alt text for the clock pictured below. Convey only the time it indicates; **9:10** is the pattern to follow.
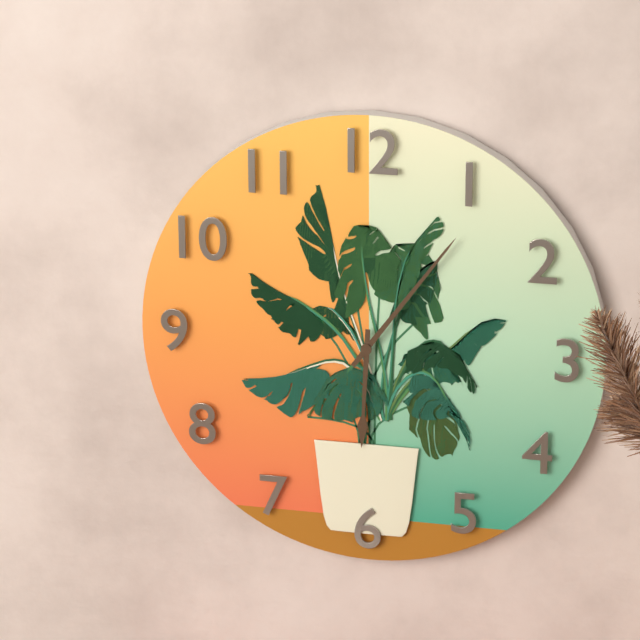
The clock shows **6:06**
